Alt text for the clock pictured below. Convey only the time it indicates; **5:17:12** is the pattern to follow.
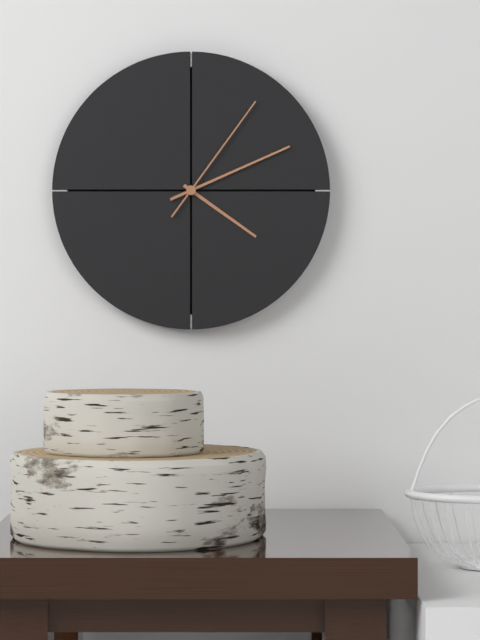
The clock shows **4:11:06**
